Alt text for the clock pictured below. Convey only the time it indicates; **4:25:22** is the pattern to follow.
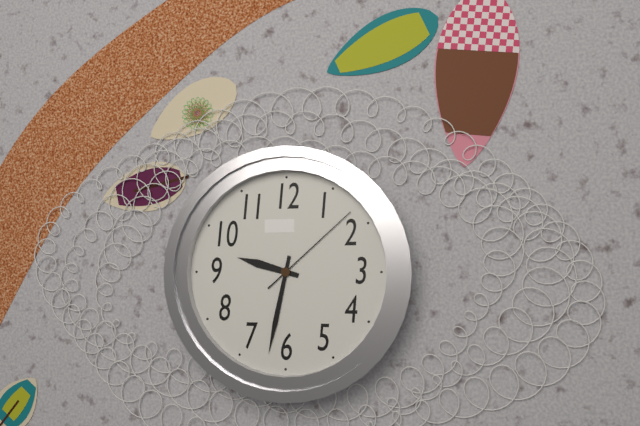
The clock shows **9:32:08**
